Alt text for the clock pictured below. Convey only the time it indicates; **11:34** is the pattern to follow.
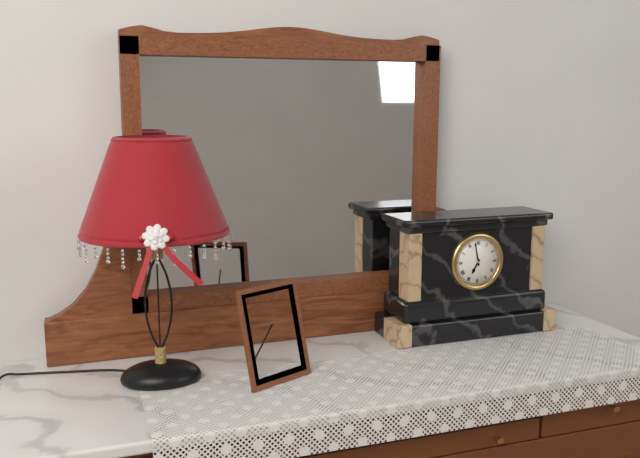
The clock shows **6:58**
